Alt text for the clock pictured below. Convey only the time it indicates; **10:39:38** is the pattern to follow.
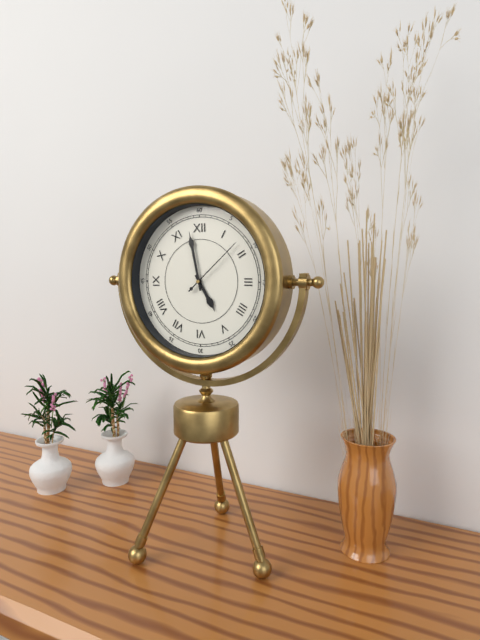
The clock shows **4:58:08**
